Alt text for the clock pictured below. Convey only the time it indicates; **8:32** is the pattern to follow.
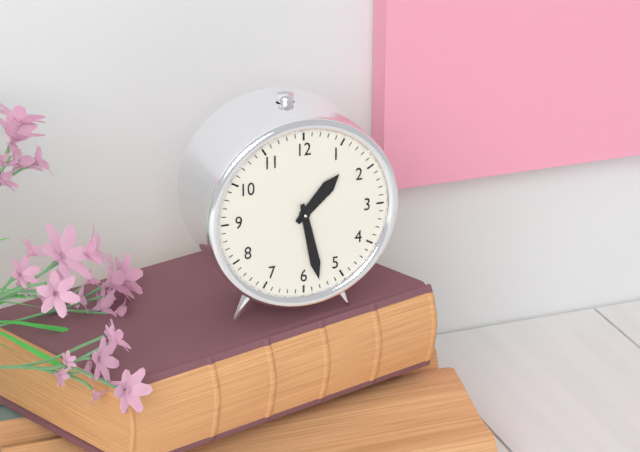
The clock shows **1:28**
